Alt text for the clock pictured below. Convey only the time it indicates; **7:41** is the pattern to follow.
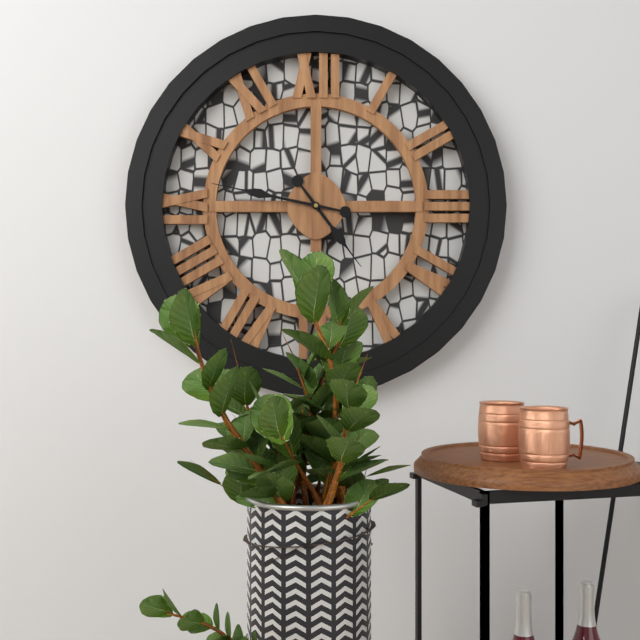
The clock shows **4:47**
